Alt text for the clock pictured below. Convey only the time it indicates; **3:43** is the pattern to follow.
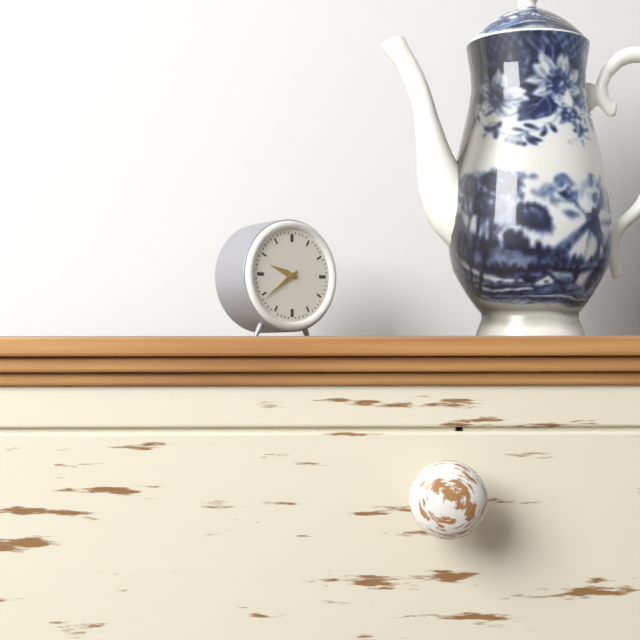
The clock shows **9:39**
